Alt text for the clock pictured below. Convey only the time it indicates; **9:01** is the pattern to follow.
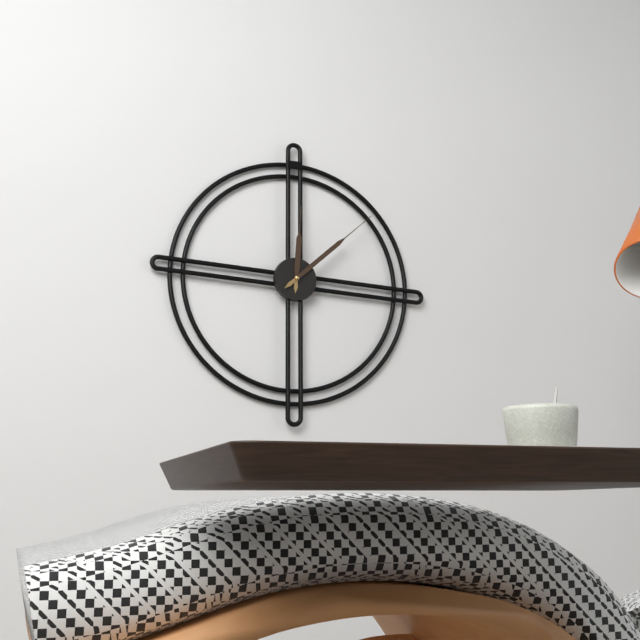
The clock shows **12:08**
